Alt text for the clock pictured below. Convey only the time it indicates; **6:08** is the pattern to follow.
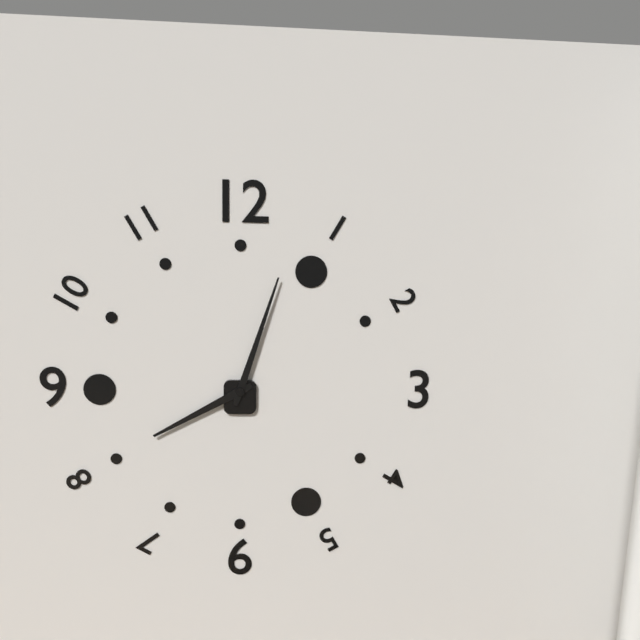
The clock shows **8:03**
